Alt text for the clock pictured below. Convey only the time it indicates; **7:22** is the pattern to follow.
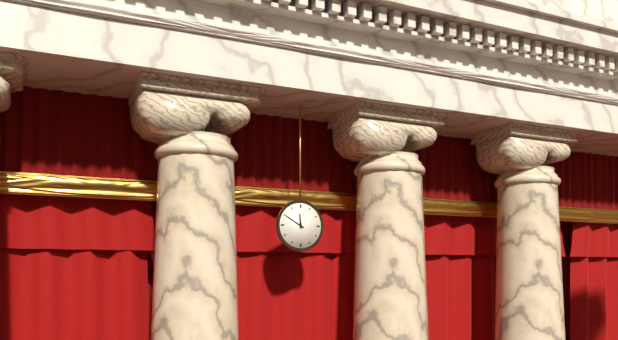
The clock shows **11:50**
